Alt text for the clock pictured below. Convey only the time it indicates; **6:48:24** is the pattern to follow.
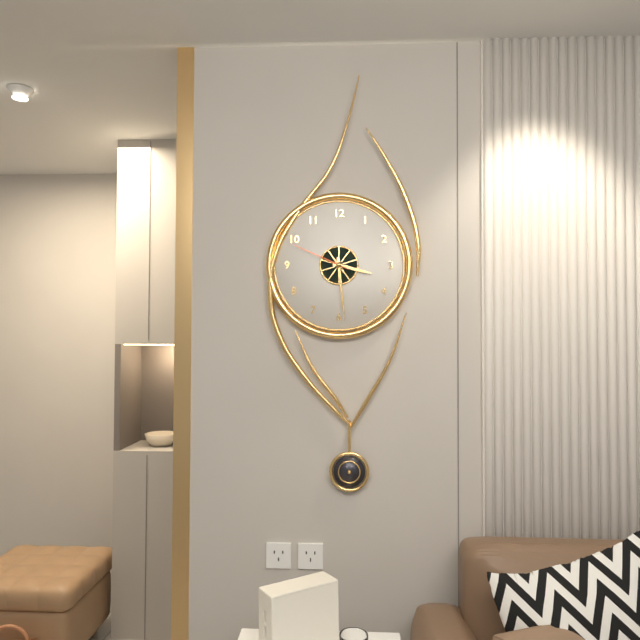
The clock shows **3:29:49**
